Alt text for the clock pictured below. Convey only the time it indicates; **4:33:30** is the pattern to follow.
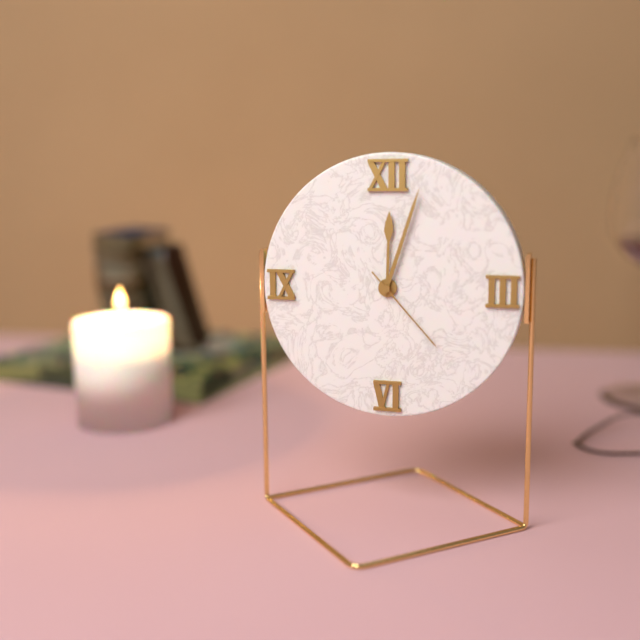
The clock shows **12:03:23**
